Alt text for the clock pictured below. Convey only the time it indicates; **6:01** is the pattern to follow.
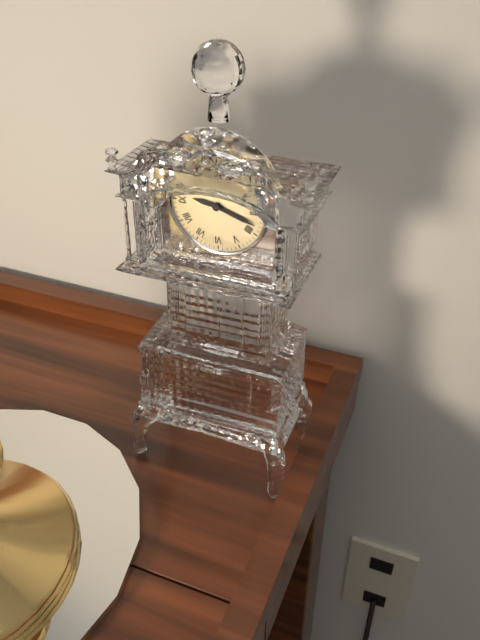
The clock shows **9:18**
